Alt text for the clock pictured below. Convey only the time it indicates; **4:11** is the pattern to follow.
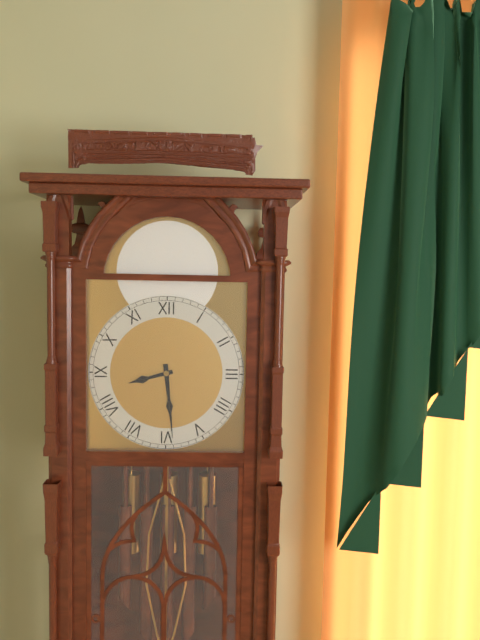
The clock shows **8:29**
